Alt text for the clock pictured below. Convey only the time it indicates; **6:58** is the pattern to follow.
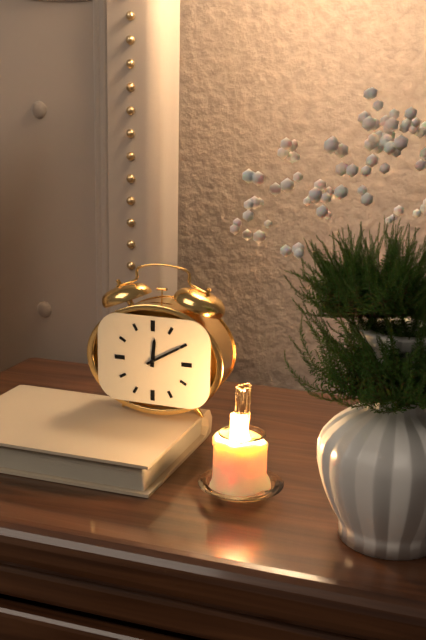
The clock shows **12:10**
